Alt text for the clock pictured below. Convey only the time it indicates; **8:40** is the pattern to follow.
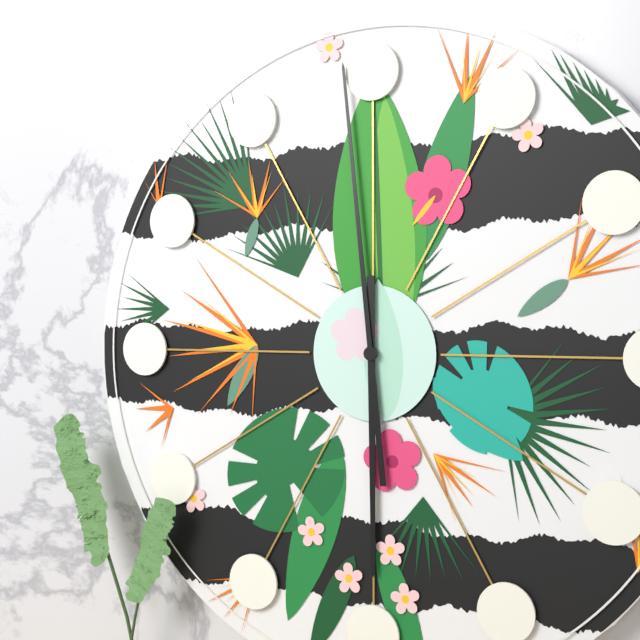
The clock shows **5:59**
